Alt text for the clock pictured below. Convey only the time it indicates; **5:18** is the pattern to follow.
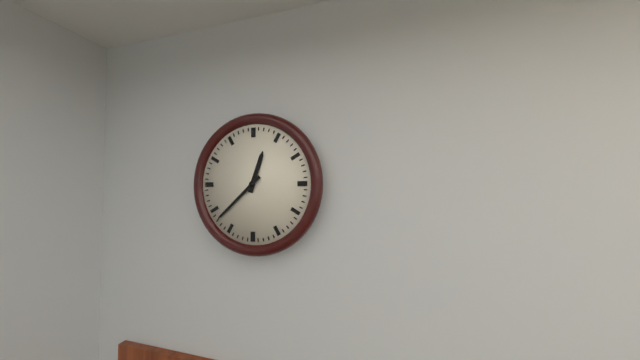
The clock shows **12:38**
